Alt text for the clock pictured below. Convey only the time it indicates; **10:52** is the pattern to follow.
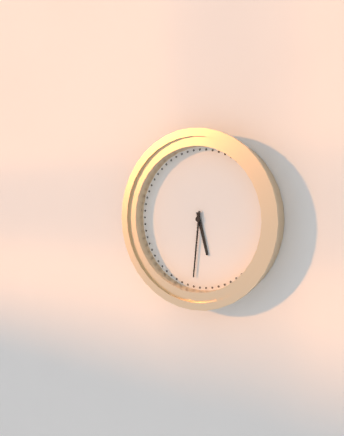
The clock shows **5:31**
